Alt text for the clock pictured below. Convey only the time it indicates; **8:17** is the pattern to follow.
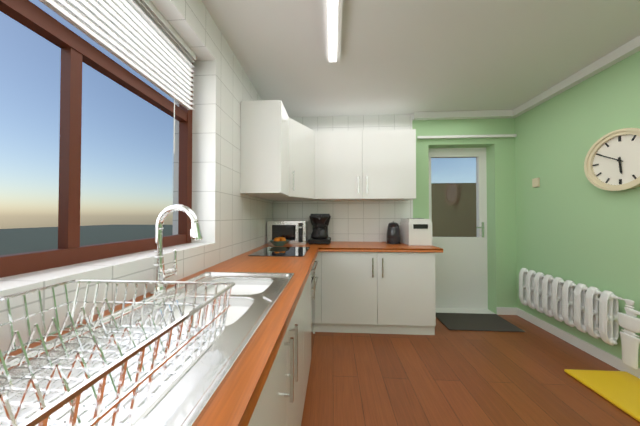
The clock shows **5:50**
